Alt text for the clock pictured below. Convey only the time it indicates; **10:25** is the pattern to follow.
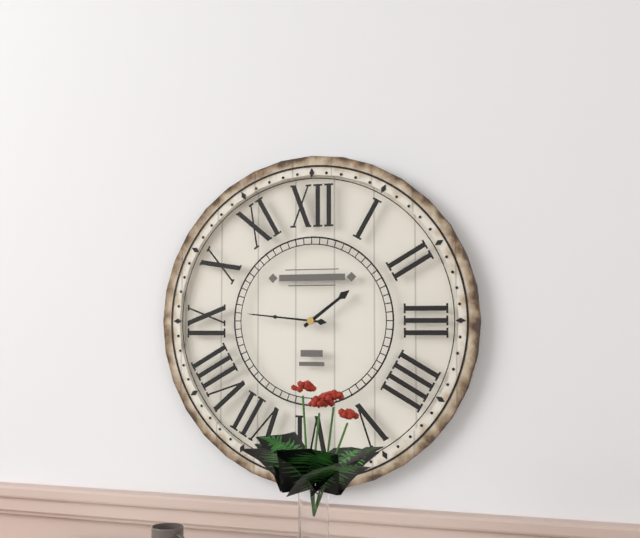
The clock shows **1:46**
